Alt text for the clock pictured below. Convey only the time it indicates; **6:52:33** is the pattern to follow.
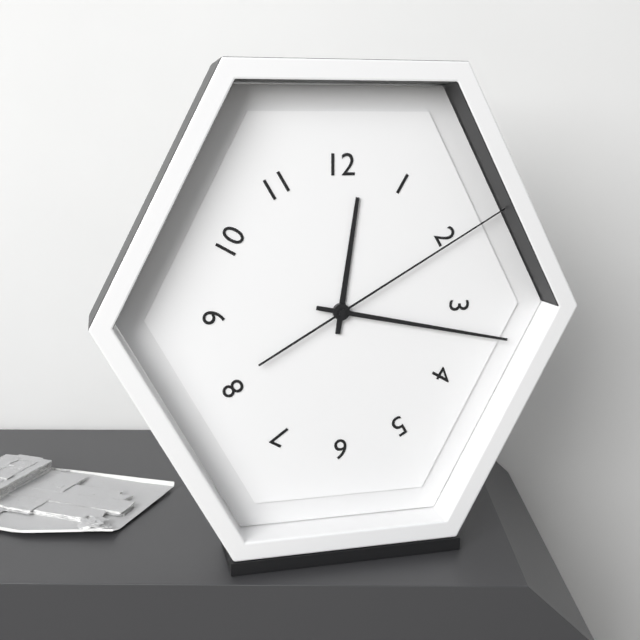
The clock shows **12:17:10**
